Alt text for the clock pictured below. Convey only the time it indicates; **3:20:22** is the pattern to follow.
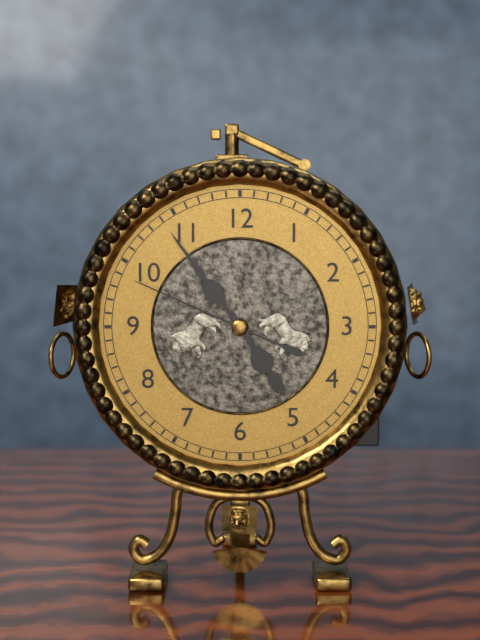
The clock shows **4:54:49**
